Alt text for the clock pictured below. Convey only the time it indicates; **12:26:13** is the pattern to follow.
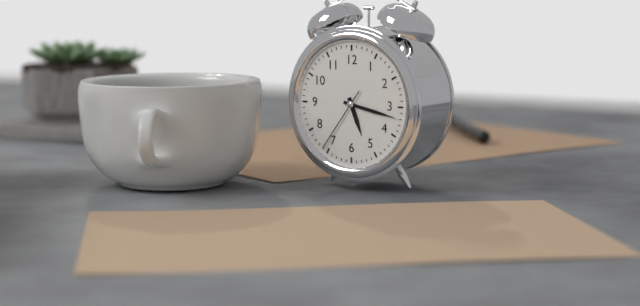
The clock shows **5:17:36**
